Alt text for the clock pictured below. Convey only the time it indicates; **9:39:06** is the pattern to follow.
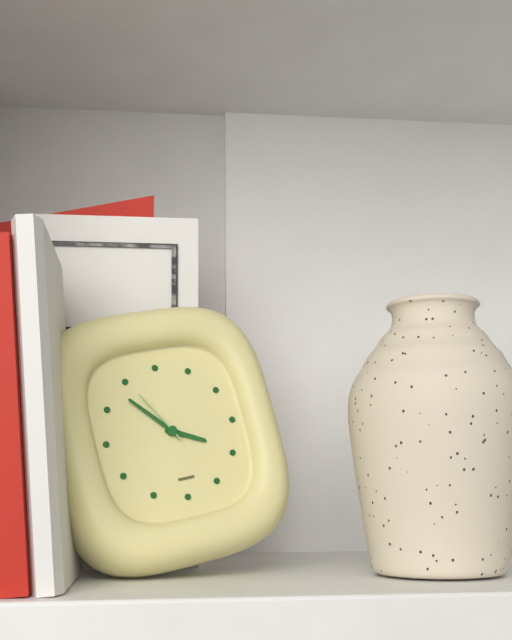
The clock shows **3:53:55**
